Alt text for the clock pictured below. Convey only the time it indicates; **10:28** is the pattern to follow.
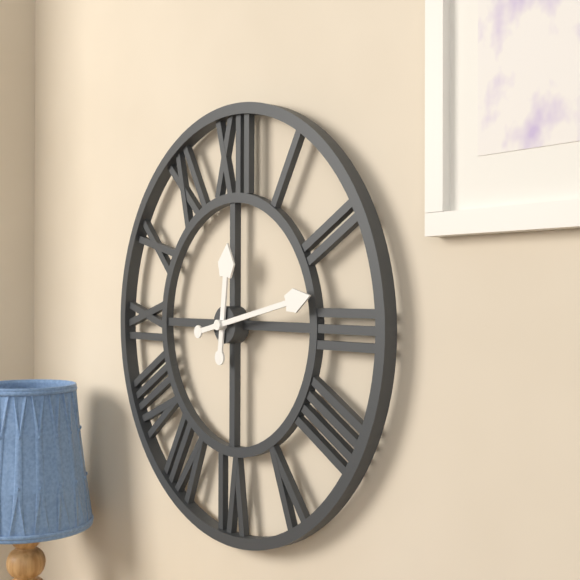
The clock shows **12:13**
